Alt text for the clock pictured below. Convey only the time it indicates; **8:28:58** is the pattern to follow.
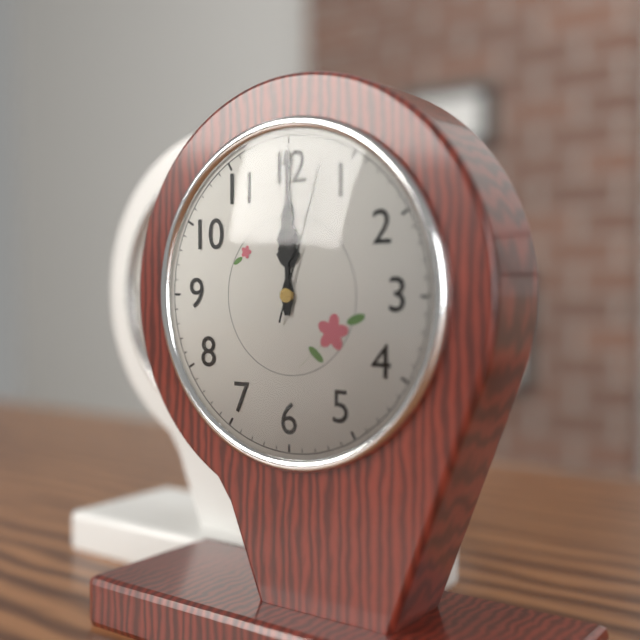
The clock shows **12:00:03**
